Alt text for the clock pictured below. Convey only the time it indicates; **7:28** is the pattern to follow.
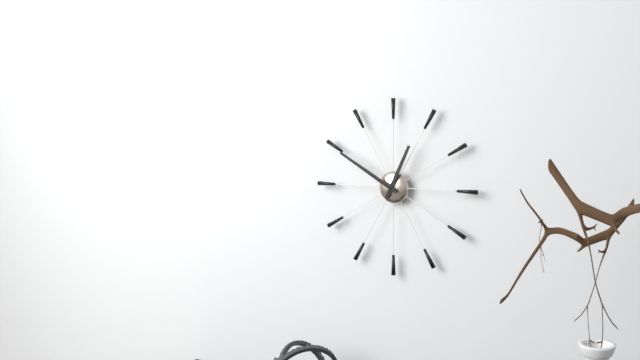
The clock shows **12:50**
